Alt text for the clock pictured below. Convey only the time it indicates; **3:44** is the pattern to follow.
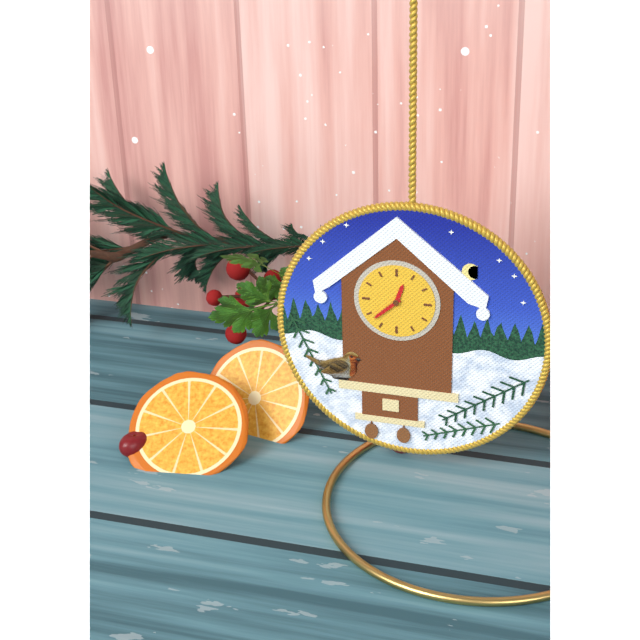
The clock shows **12:38**
